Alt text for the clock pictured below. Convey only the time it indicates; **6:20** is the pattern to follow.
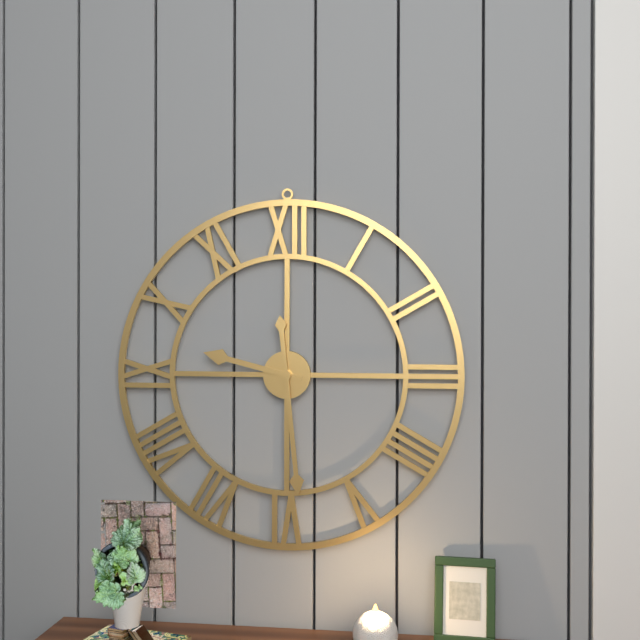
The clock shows **9:29**
